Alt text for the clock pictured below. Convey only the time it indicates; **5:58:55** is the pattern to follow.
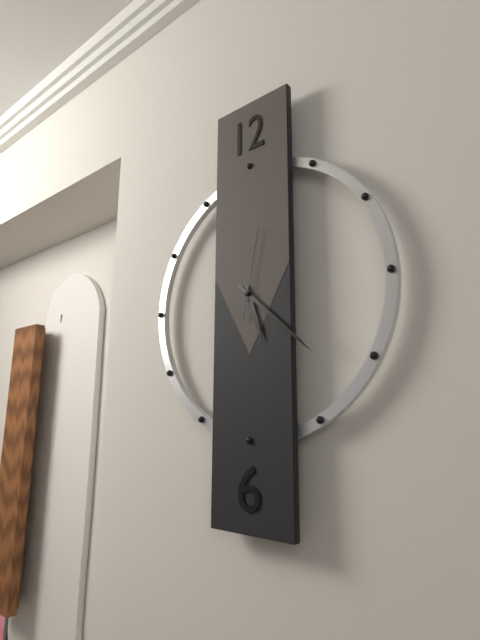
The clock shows **5:22:02**
